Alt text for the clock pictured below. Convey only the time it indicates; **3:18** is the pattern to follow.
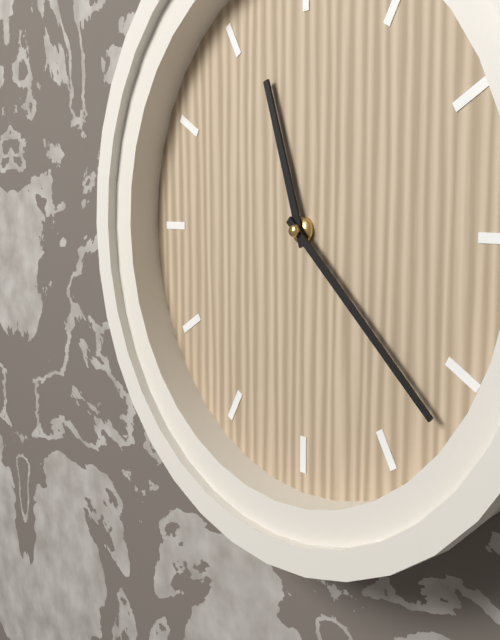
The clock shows **11:22**
